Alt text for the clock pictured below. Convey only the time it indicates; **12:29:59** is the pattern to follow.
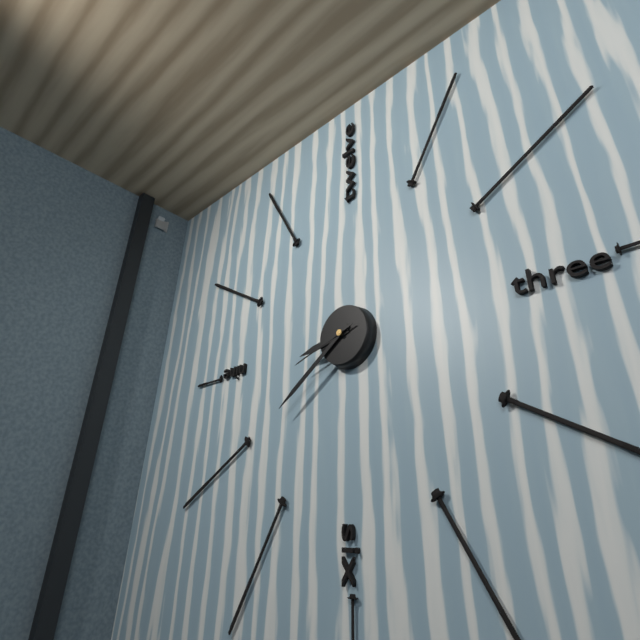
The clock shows **8:39:42**
